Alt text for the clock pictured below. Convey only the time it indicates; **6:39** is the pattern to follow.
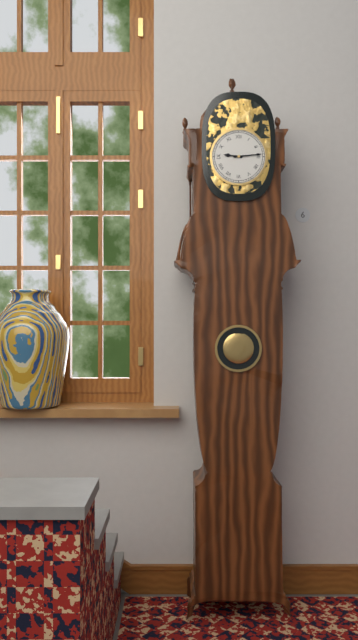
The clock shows **9:14**
